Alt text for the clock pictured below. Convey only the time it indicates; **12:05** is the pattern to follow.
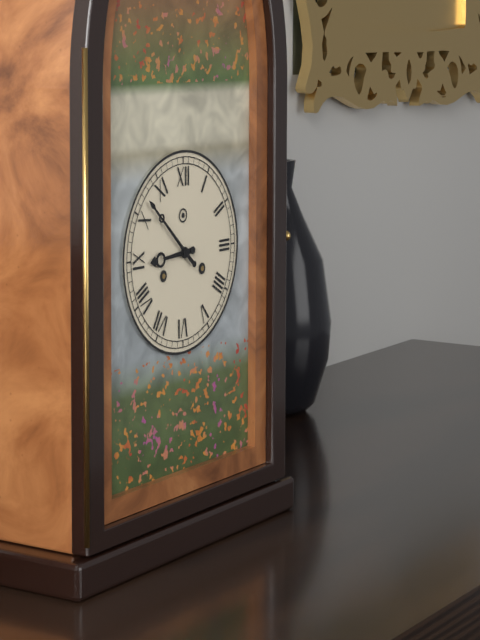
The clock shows **8:52**
